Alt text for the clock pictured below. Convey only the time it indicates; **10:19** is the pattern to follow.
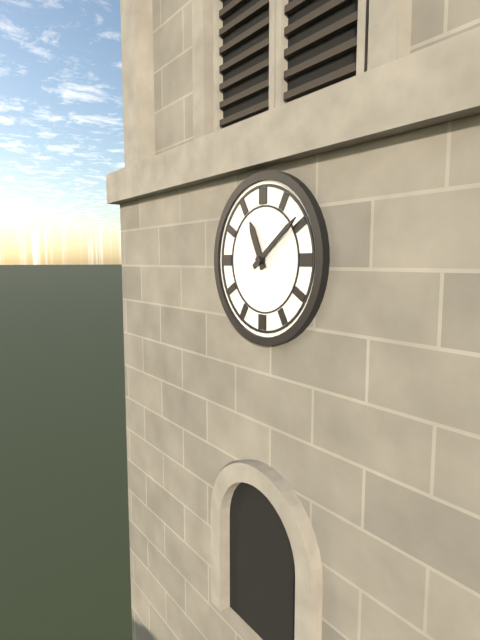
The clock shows **11:09**
